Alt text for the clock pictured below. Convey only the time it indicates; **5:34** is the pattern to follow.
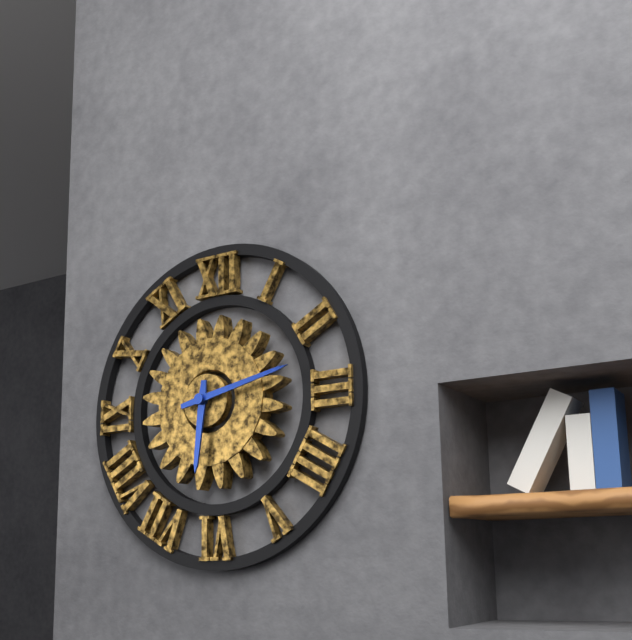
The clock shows **6:13**
